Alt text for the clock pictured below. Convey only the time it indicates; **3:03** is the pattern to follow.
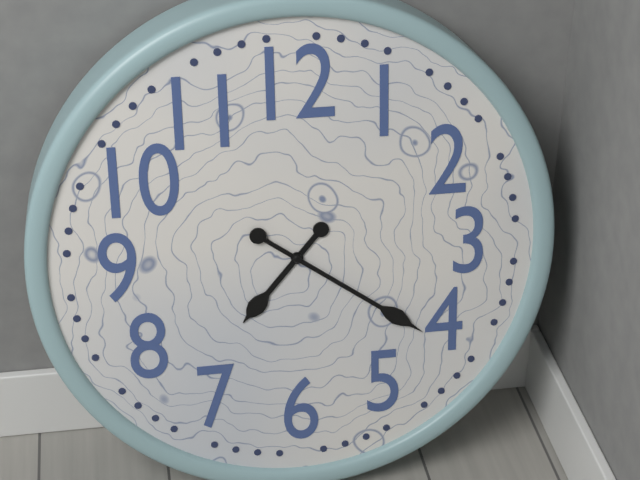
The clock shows **7:21**
